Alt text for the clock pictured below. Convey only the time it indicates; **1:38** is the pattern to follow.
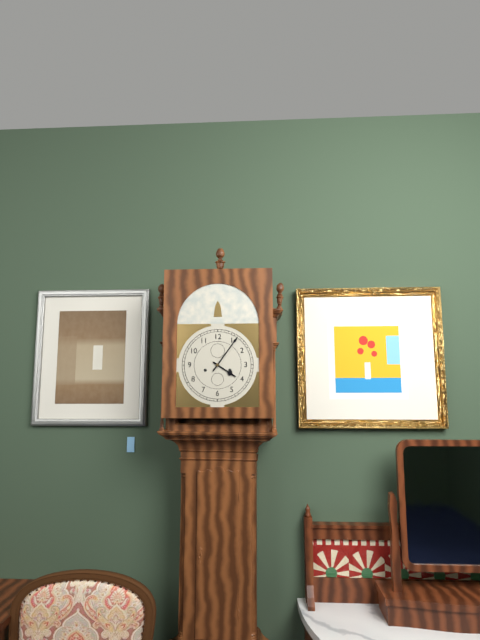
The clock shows **4:06**
